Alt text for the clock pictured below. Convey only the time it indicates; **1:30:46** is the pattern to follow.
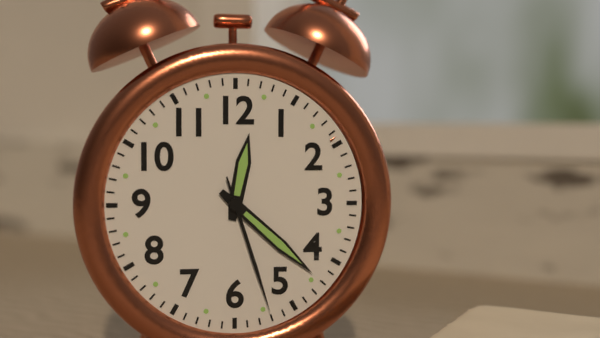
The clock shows **12:22:27**
